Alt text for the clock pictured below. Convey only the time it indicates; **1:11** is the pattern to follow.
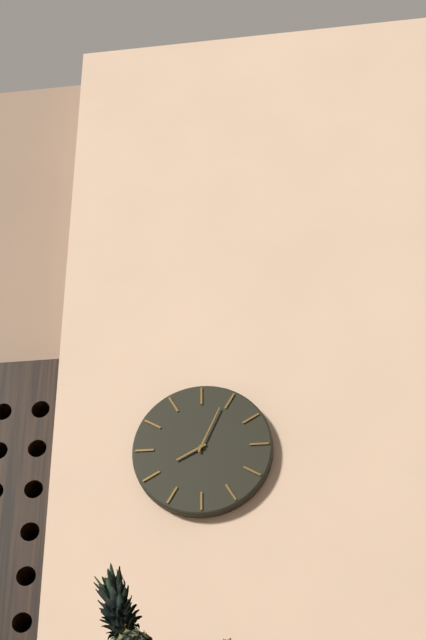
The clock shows **8:04**
